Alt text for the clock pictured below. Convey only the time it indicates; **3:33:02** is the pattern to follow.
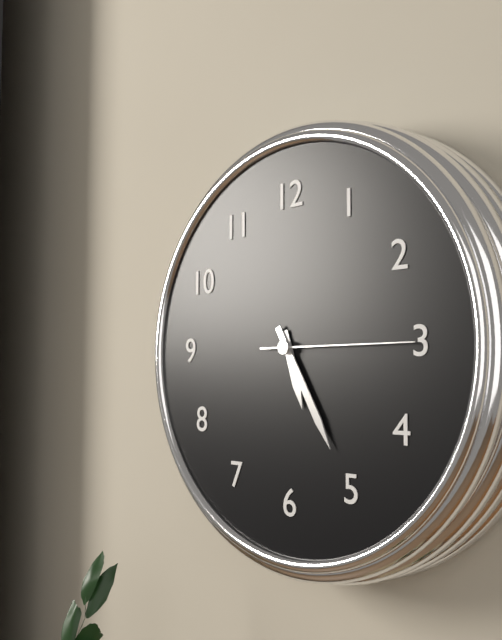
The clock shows **5:25:15**
